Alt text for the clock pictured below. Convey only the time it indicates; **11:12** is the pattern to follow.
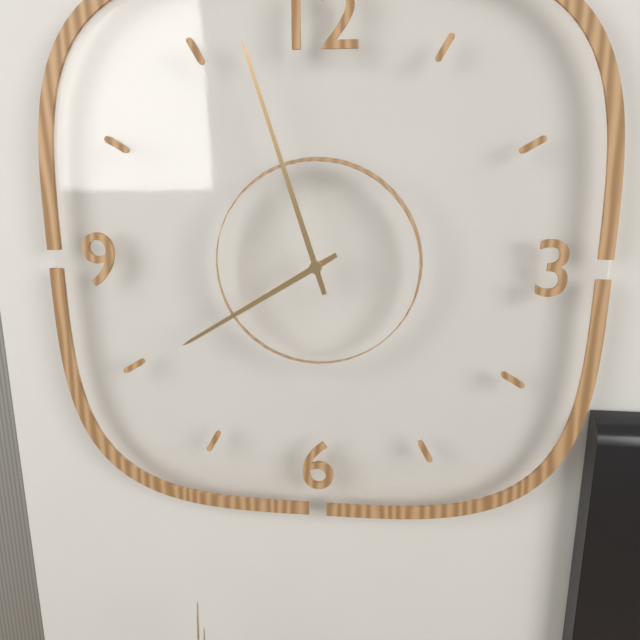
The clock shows **7:57**
